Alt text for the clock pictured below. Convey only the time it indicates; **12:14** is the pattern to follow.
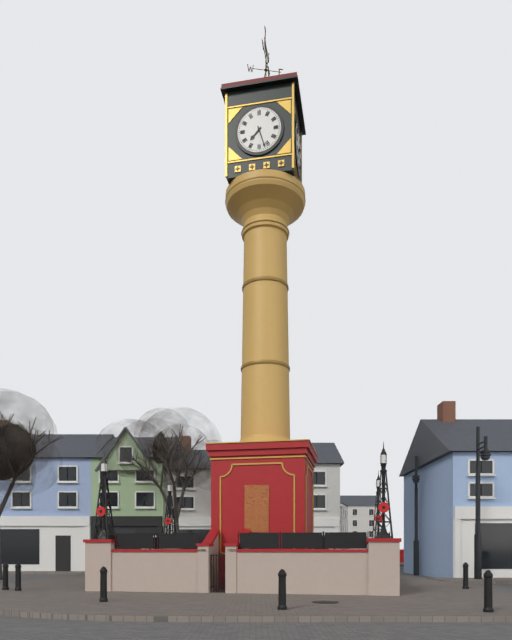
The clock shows **7:27**
